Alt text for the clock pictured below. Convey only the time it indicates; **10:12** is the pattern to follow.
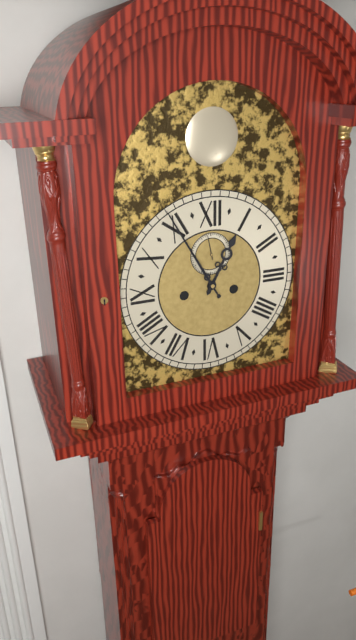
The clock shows **12:55**
